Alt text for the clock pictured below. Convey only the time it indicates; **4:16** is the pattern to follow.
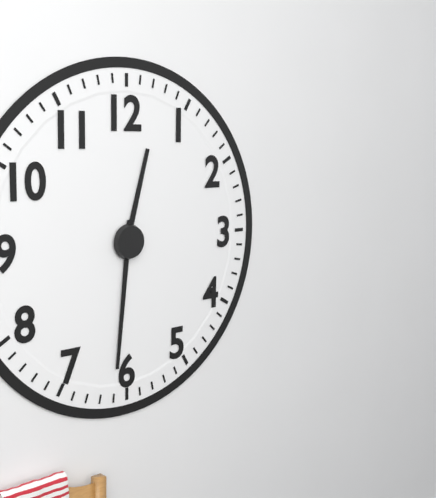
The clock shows **12:31**
